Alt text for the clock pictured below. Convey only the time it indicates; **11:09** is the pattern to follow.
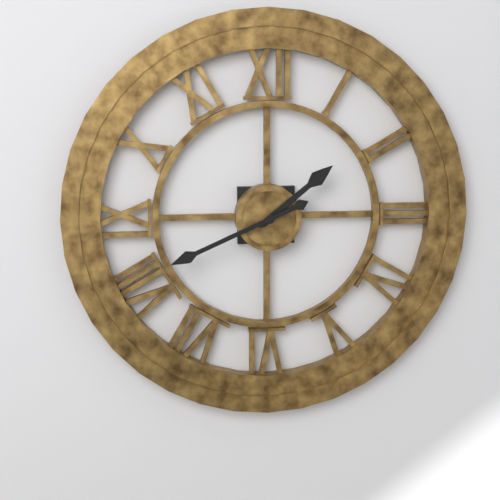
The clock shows **1:41**
